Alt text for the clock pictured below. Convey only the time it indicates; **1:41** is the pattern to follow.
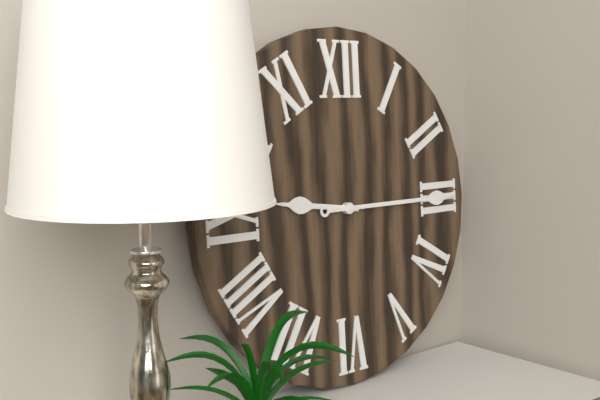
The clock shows **9:15**
